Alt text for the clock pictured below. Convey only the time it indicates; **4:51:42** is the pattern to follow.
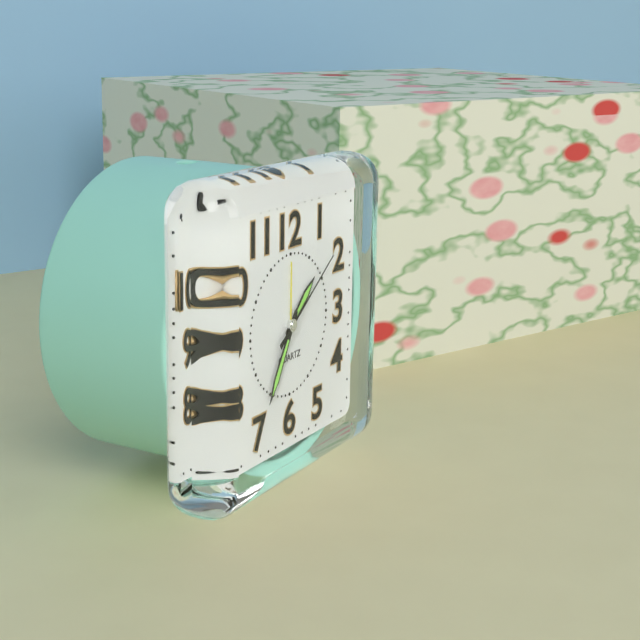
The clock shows **1:35:09**
